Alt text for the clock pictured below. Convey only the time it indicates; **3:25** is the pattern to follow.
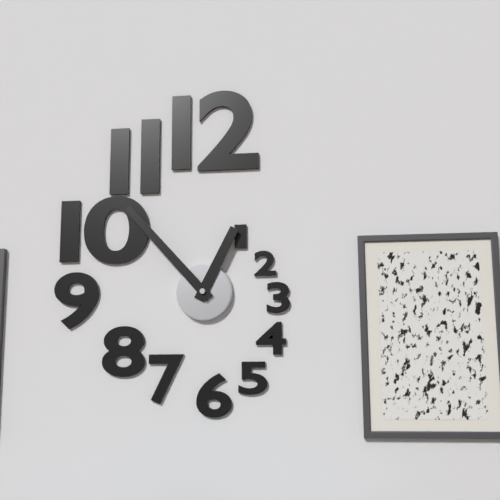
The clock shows **12:53**
